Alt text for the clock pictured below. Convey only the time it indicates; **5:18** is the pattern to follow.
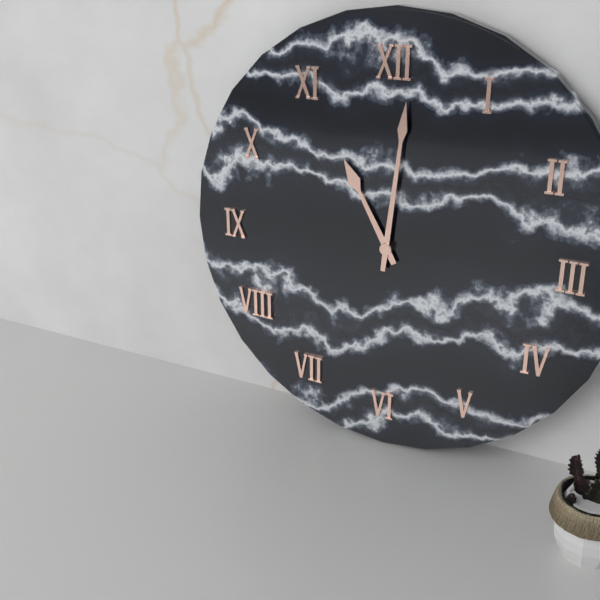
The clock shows **11:01**
